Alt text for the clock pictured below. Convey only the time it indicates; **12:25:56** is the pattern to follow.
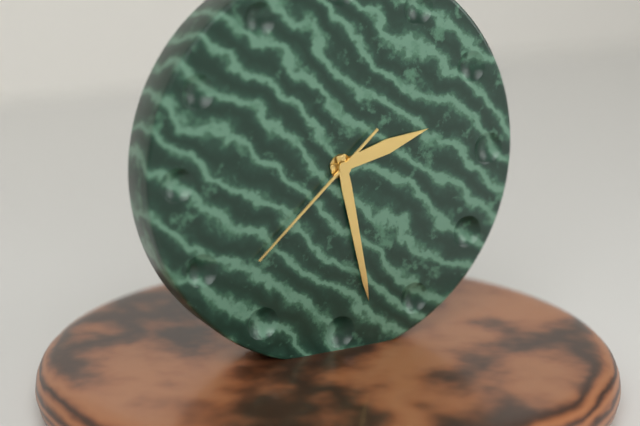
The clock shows **2:28:38**
